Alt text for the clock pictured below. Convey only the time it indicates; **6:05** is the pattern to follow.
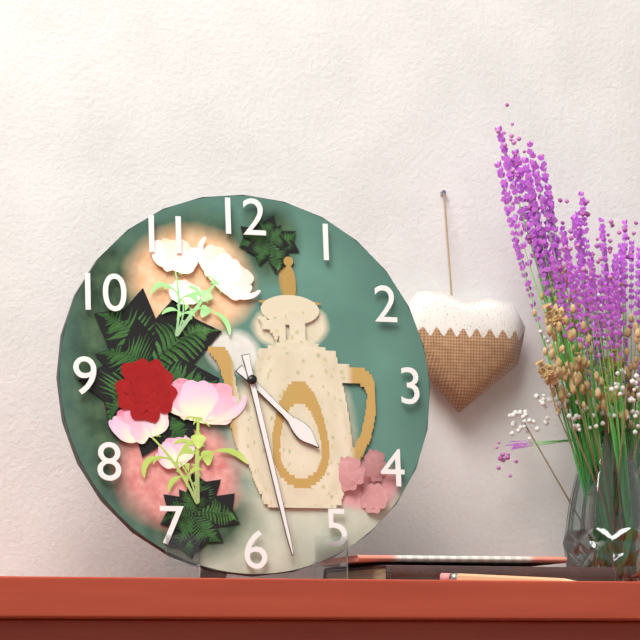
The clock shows **4:28**
